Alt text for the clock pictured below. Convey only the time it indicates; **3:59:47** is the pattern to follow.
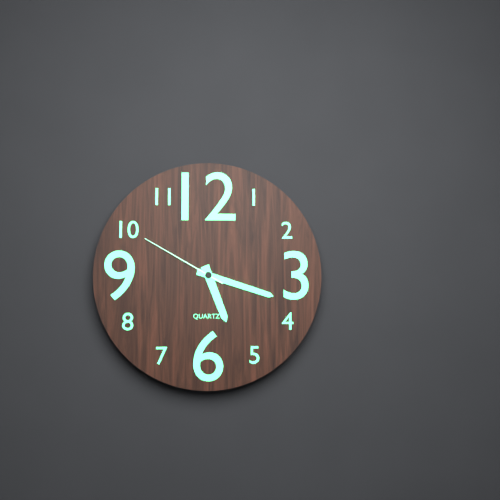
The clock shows **5:18:50**
